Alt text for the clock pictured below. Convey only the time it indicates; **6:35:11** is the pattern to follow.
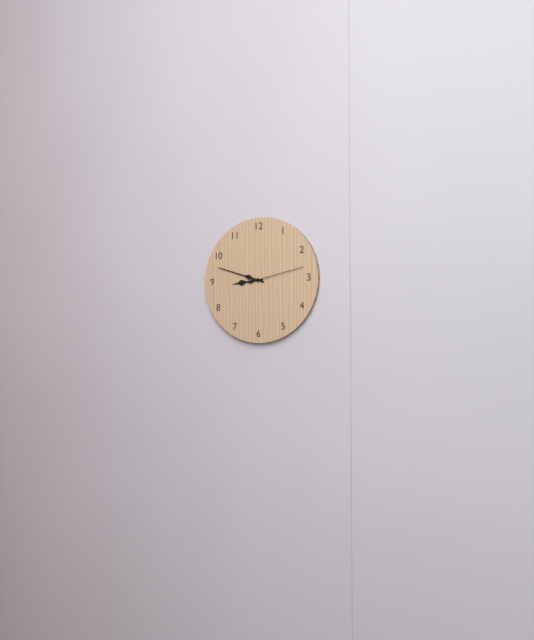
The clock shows **8:48:13**
